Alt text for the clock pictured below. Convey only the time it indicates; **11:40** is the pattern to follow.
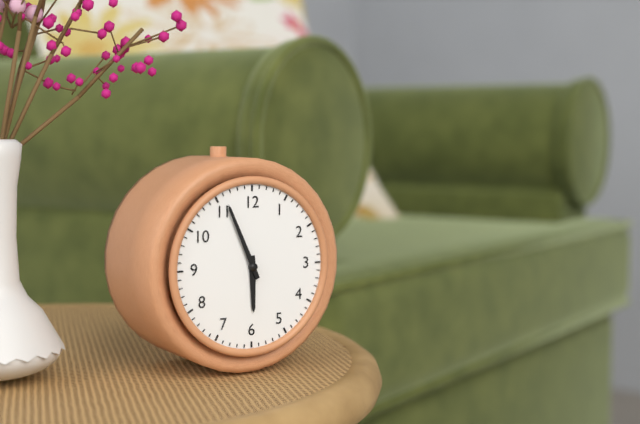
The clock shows **5:56**
